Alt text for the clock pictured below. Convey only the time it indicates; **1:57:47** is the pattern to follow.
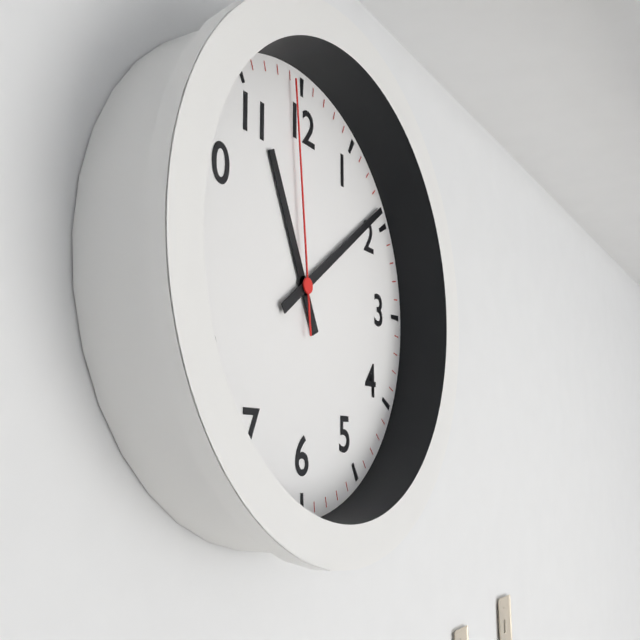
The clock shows **11:09:59**
